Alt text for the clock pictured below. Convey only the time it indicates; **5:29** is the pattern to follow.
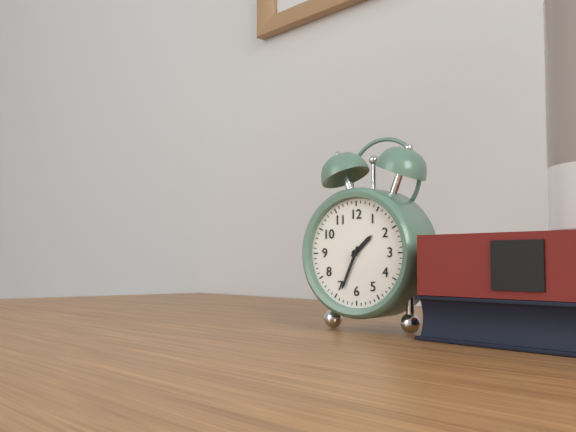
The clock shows **1:34**
